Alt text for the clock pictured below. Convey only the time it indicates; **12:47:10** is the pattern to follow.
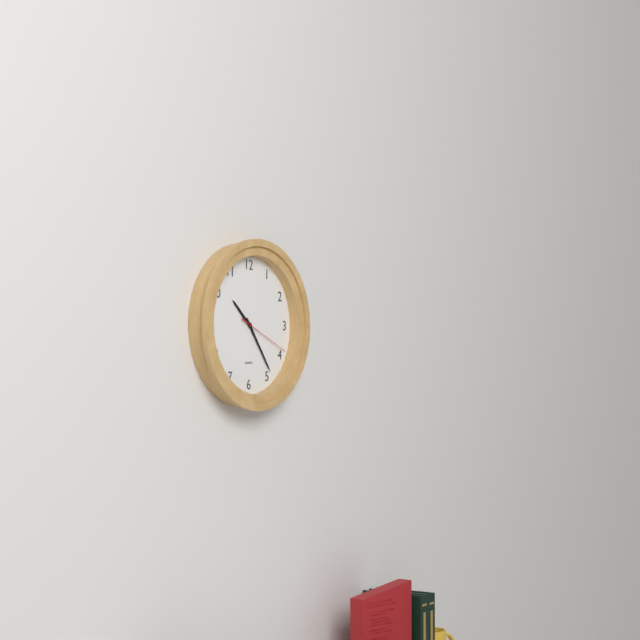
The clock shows **10:24:19**
